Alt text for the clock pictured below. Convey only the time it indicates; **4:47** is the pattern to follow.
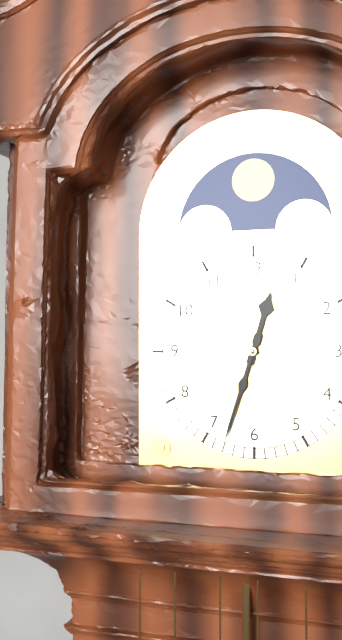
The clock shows **12:33**
